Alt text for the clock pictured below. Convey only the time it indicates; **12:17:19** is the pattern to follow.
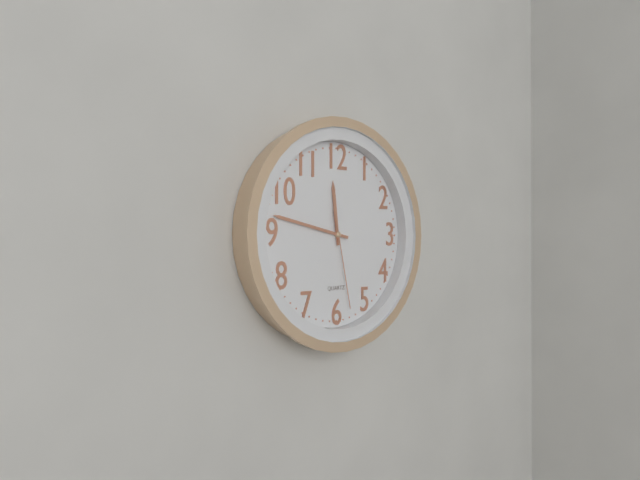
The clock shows **11:47:28**
